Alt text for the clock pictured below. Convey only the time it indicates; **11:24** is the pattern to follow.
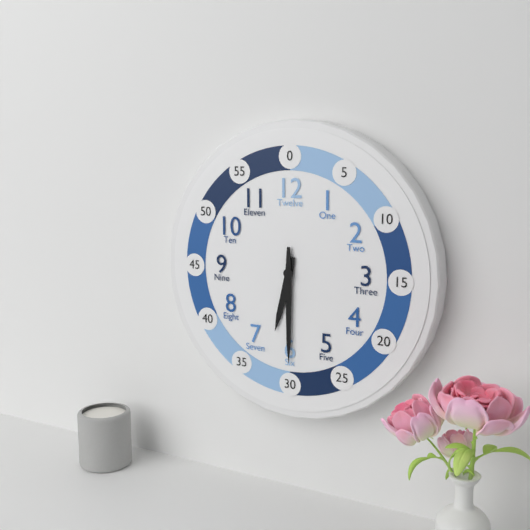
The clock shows **6:30**
